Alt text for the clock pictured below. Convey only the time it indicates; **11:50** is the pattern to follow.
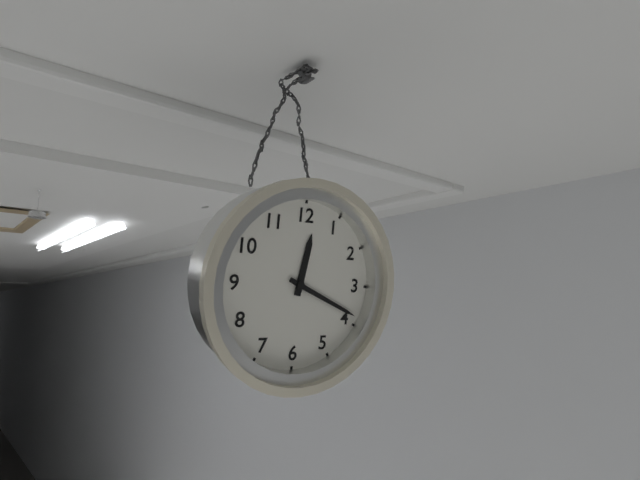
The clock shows **12:19**
